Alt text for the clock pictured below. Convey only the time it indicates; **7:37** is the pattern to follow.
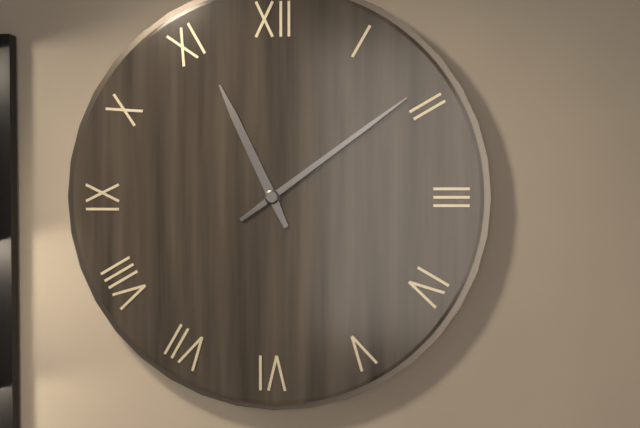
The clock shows **11:09**
